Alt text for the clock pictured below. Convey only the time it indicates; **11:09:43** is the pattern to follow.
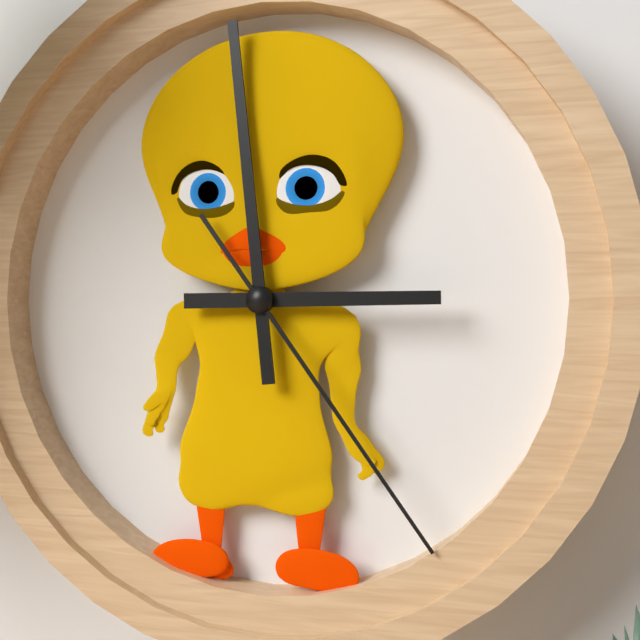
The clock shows **2:59:24**
